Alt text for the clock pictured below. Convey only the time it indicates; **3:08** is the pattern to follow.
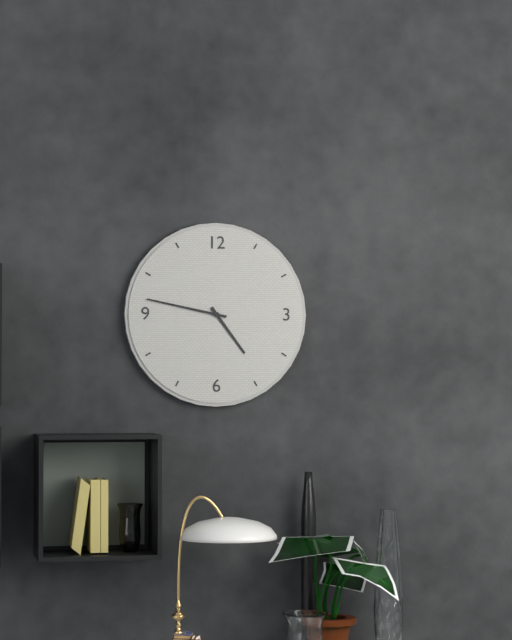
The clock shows **4:47**
